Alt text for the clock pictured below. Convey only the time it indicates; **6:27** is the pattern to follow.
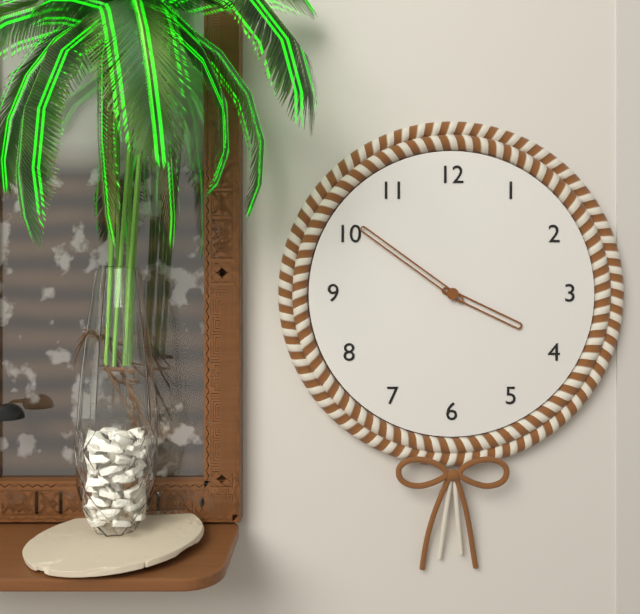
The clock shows **3:51**
